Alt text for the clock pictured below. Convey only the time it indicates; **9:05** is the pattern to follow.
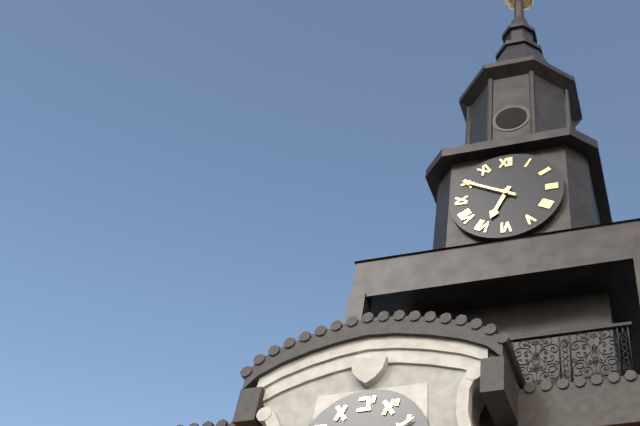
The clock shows **6:50**
